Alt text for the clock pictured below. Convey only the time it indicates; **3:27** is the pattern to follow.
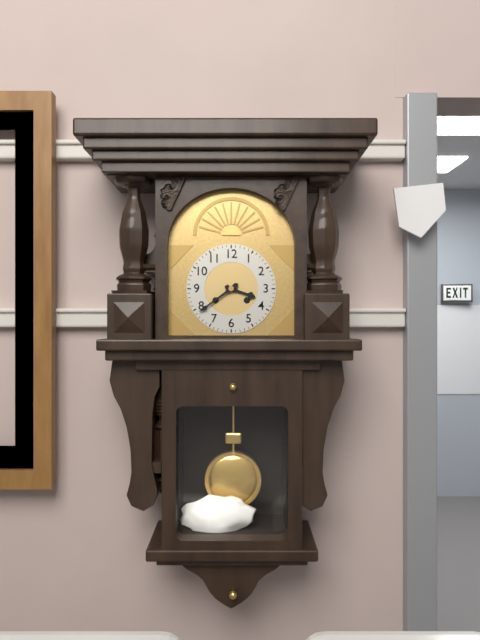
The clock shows **3:39**
